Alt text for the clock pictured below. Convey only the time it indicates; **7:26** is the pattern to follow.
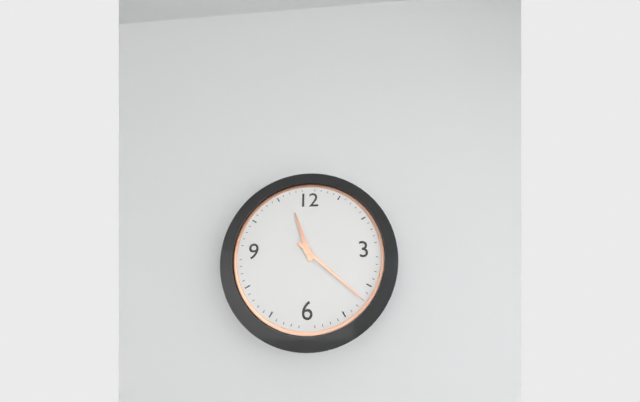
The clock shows **11:22**
